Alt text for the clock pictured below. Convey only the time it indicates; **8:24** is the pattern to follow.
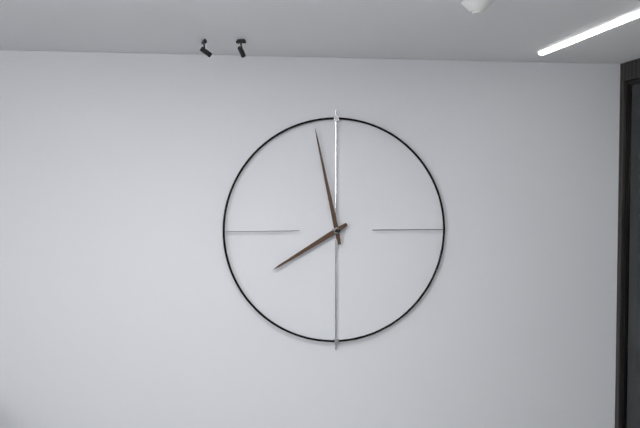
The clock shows **7:58**
